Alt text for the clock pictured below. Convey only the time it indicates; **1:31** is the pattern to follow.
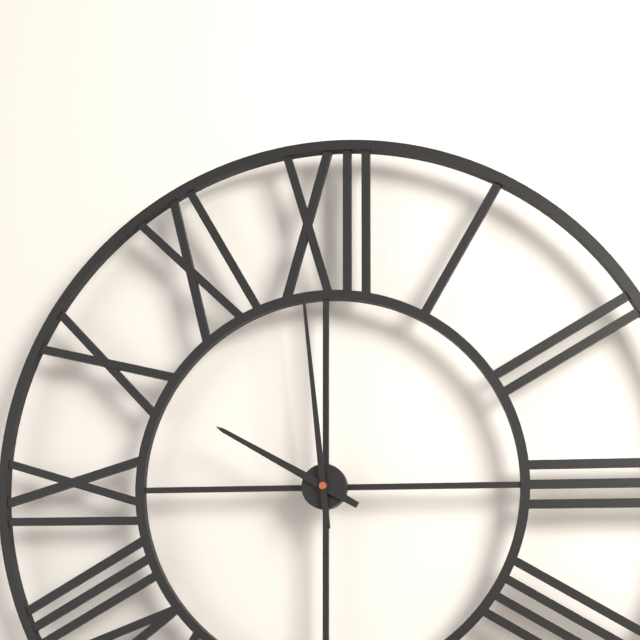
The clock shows **9:59**
